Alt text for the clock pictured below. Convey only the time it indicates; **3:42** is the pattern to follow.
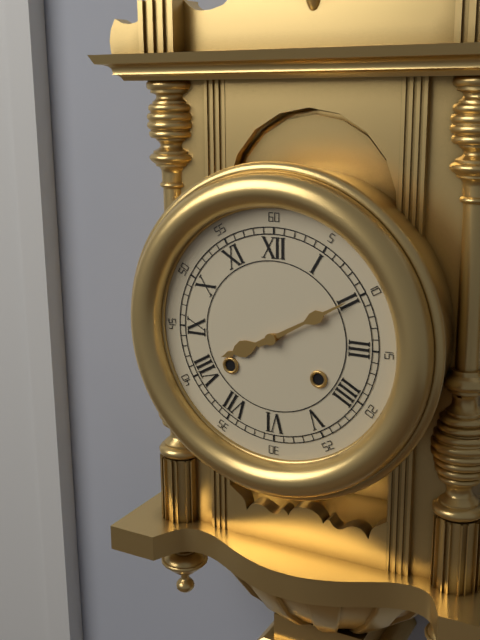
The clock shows **8:10**
